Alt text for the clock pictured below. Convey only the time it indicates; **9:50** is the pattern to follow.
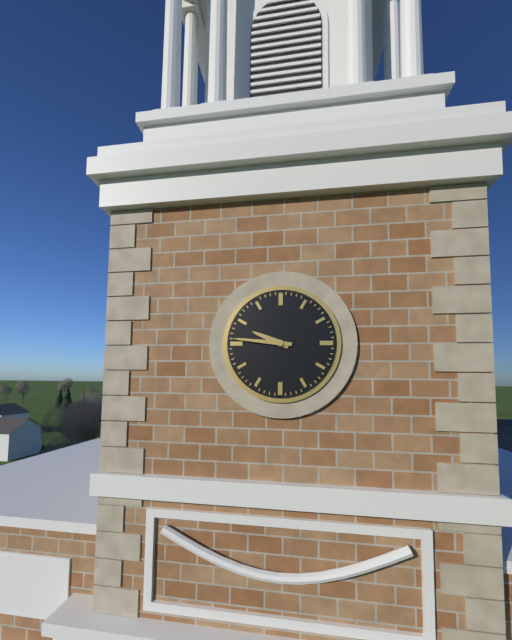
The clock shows **9:46**
